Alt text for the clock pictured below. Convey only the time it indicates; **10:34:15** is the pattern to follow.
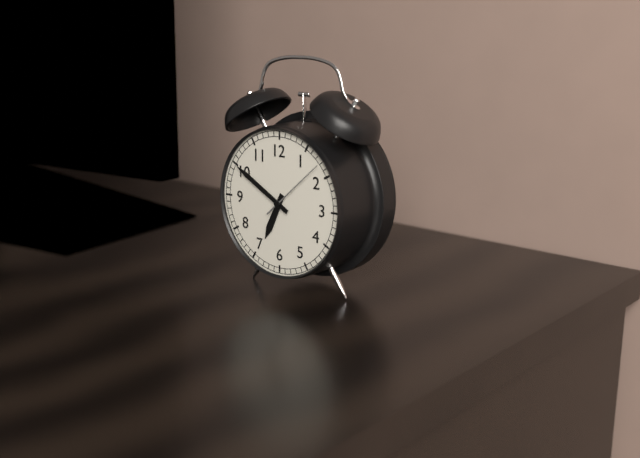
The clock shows **6:50:08**
